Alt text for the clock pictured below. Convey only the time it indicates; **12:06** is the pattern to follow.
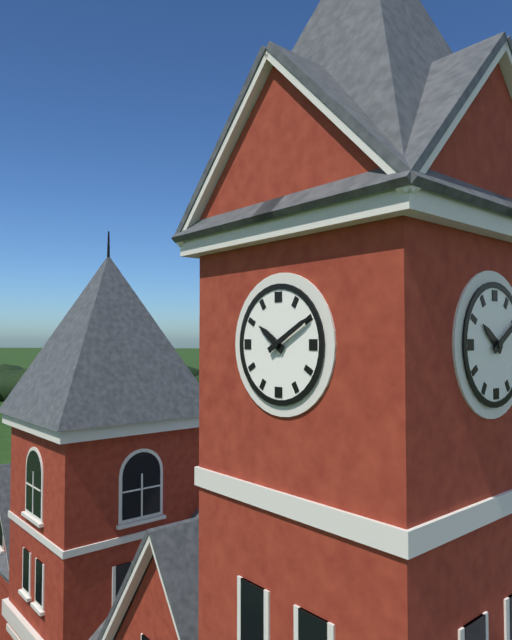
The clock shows **10:10**
